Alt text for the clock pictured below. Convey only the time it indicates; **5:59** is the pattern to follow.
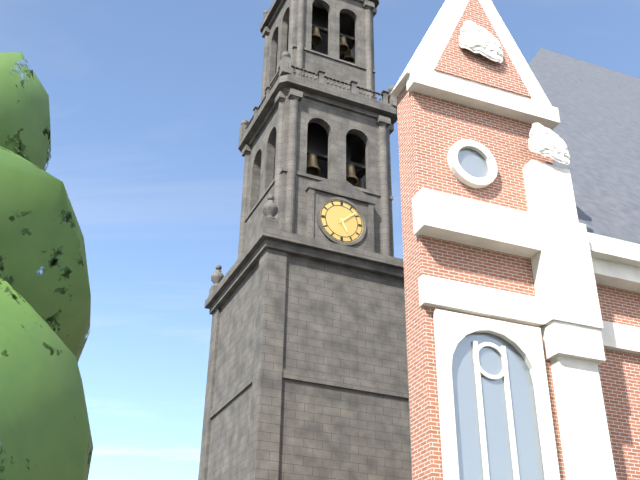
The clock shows **5:08**
